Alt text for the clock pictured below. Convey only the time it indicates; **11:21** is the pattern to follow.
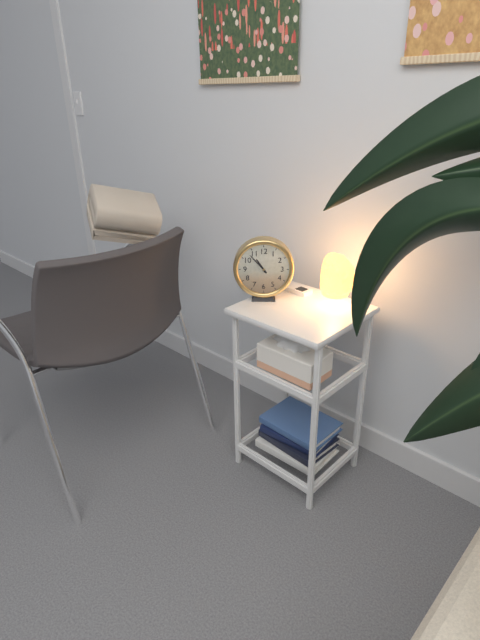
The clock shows **10:53**
